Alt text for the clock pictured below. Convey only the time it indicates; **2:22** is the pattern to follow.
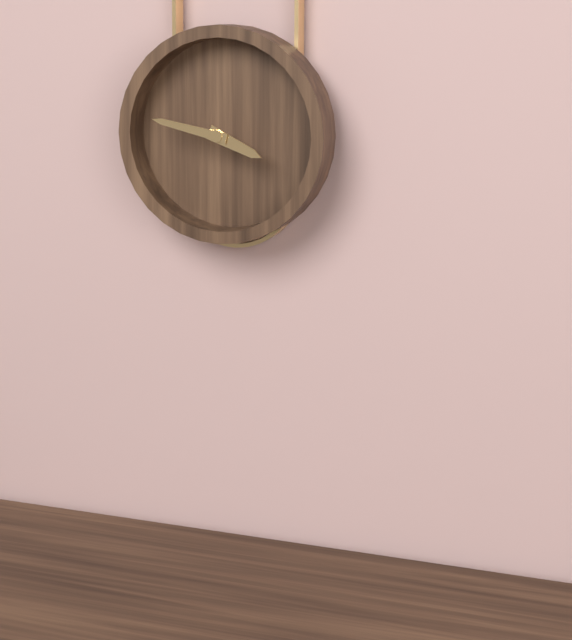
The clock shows **3:47**
